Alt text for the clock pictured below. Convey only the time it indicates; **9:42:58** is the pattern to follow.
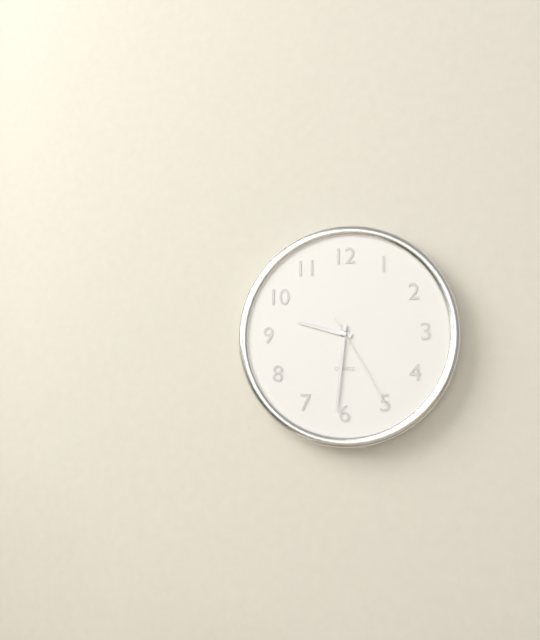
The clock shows **9:31:25**
